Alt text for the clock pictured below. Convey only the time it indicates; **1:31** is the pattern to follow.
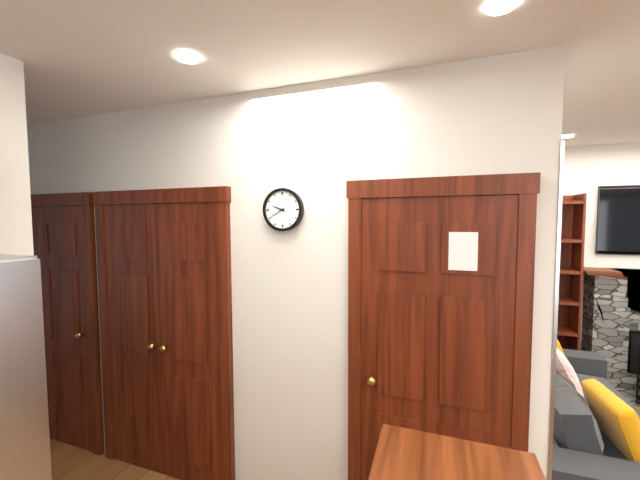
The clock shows **9:40**
